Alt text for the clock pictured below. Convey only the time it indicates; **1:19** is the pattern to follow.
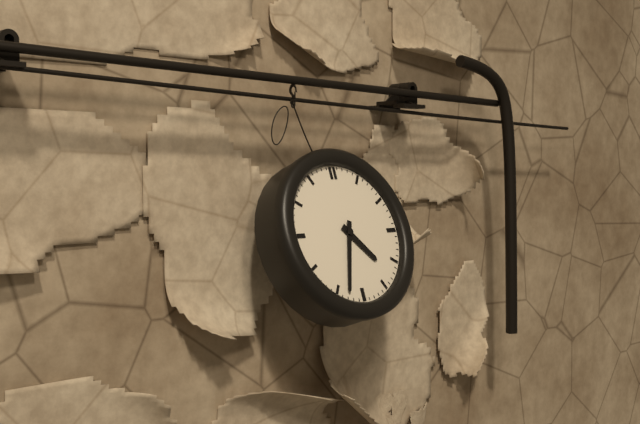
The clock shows **4:33**
